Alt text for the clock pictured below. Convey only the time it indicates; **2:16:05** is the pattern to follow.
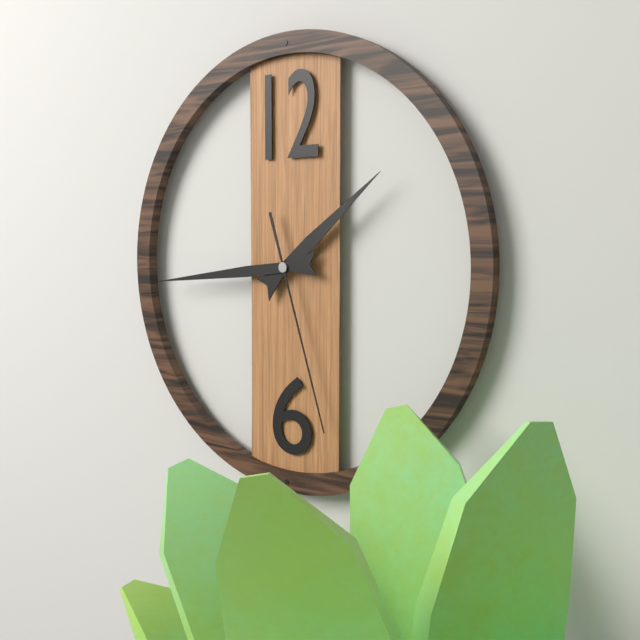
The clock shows **1:44:27**
